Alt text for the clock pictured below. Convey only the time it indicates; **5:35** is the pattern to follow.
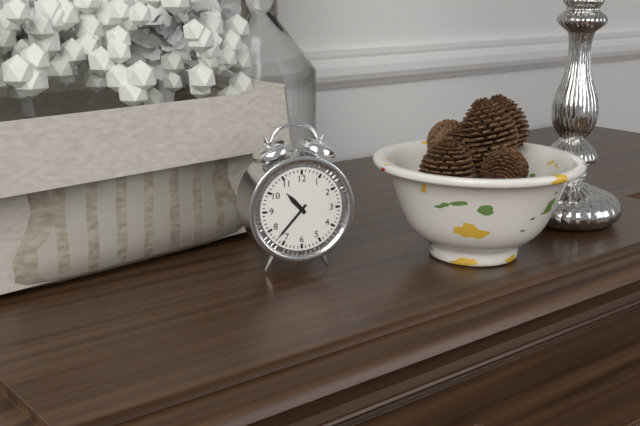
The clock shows **10:37**
